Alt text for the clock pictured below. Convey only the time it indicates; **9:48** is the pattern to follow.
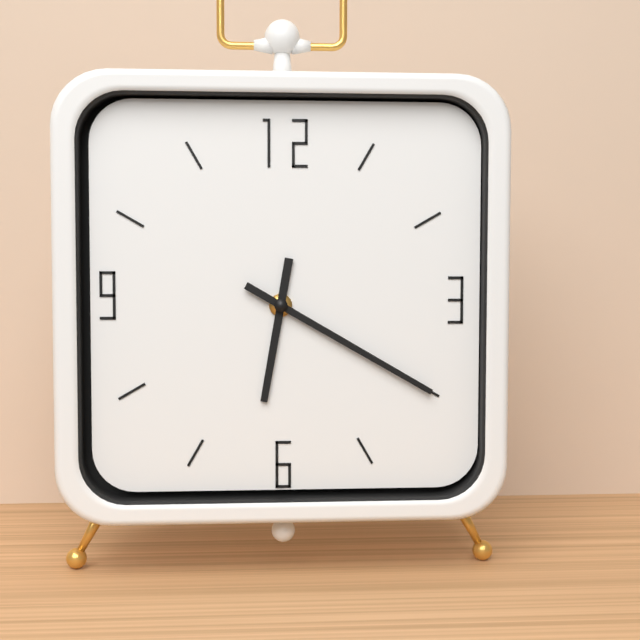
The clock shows **6:20**
